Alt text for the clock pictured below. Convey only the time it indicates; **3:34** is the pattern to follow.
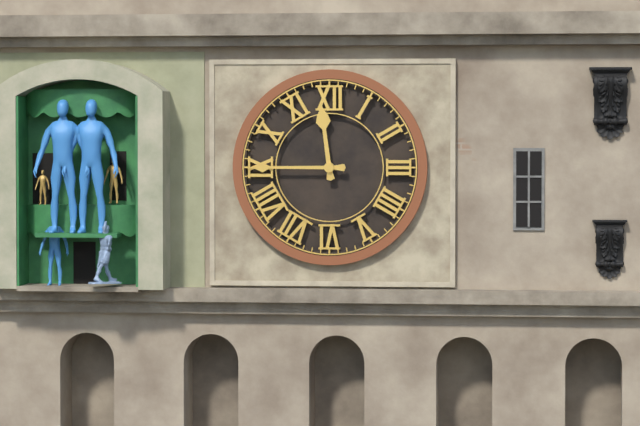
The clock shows **11:45**
